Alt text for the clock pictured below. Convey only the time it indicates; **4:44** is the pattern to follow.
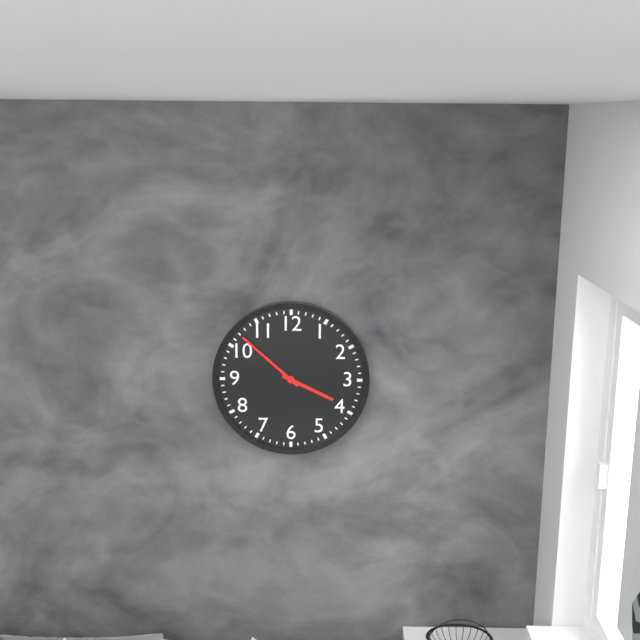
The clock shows **3:52**
